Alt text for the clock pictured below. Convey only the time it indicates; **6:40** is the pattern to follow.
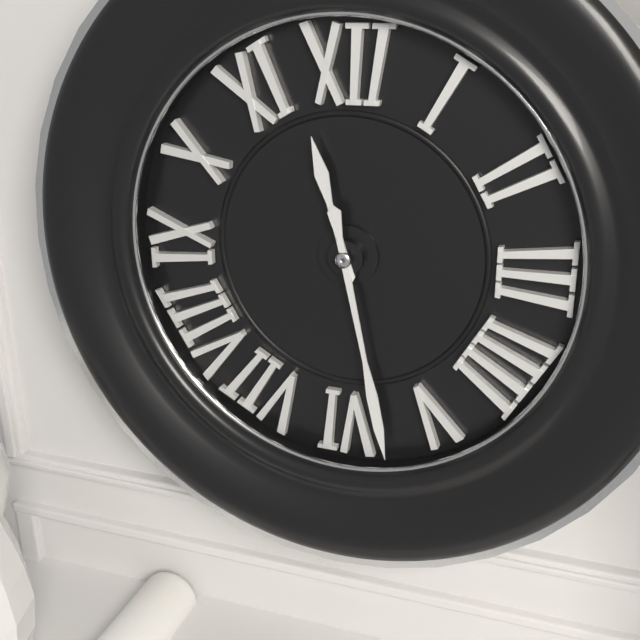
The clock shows **11:28**
